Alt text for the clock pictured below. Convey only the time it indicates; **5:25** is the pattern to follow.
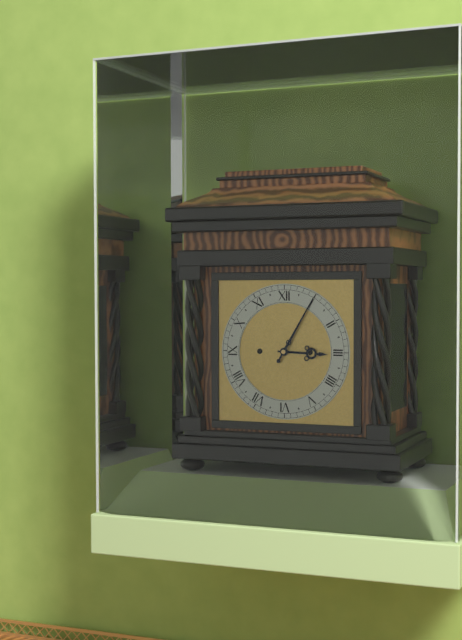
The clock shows **3:05**
